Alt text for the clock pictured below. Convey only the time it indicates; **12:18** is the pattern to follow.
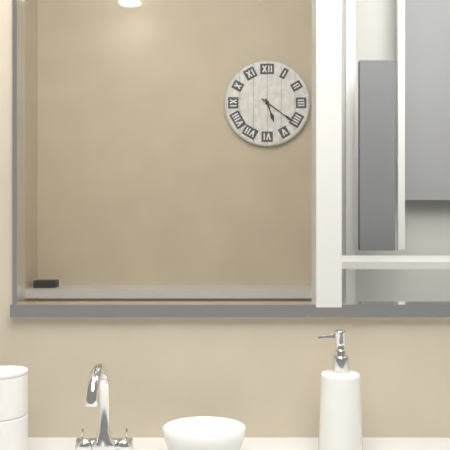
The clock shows **5:21**
